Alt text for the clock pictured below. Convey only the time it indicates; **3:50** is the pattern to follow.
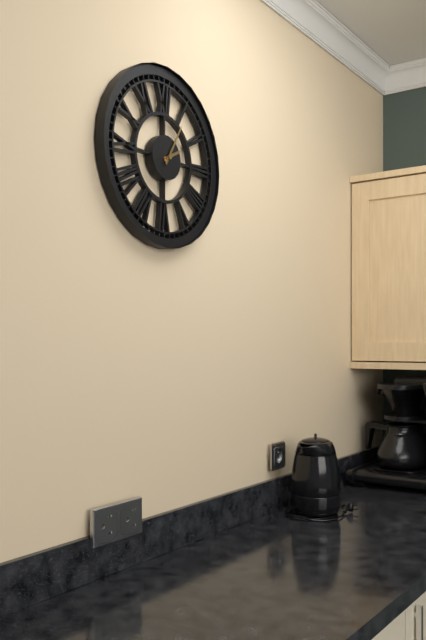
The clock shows **2:05**
